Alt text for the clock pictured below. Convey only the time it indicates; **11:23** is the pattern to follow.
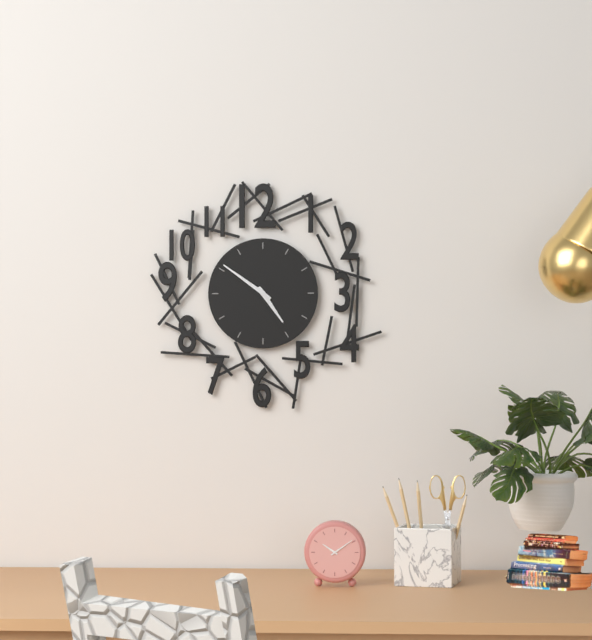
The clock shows **4:51**
